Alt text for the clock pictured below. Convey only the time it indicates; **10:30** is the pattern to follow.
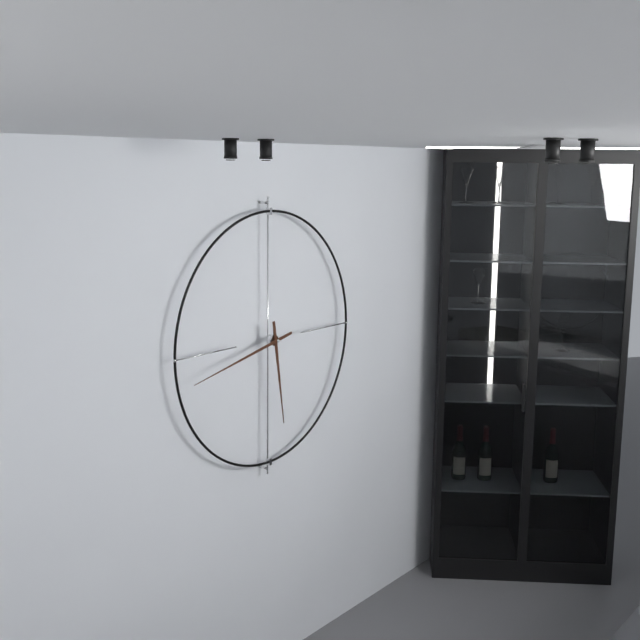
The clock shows **5:43**
